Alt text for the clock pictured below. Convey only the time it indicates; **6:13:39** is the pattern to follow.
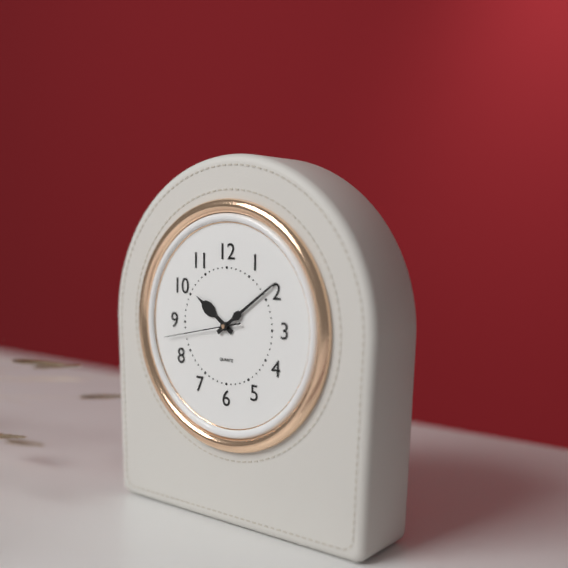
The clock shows **10:09:43**
